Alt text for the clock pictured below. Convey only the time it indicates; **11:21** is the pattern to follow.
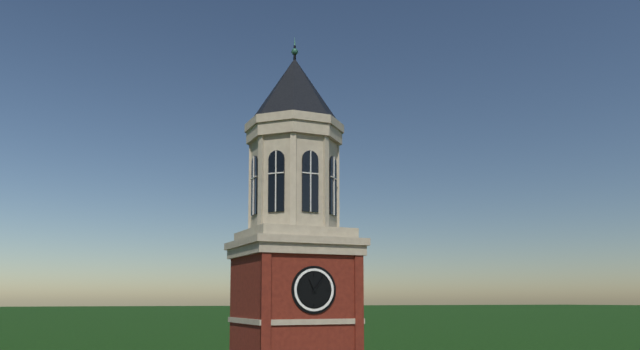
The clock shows **11:06**
